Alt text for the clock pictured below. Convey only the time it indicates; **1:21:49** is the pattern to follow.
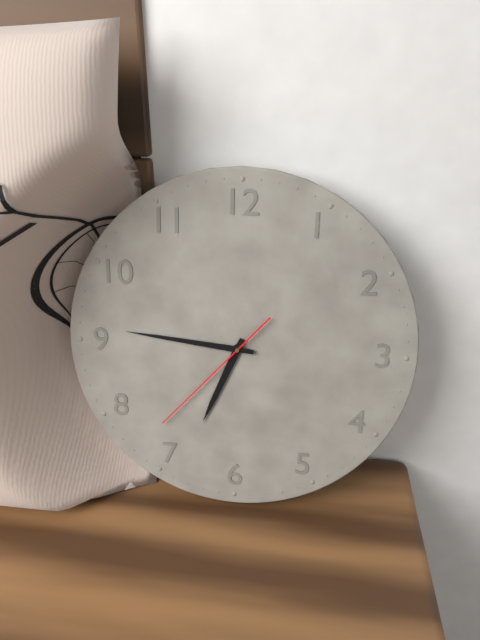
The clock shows **6:46:37**
